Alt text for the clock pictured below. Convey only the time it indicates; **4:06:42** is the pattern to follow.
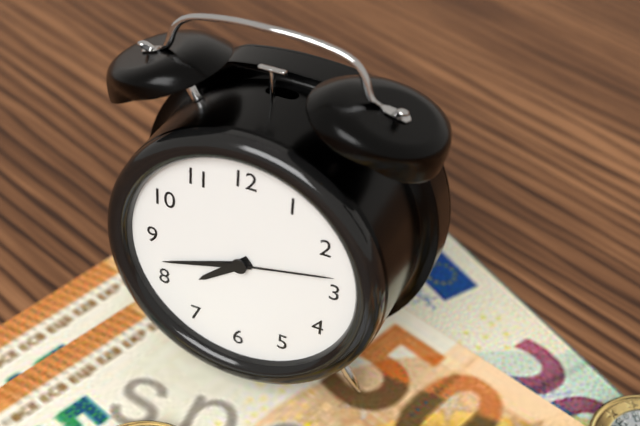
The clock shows **7:42:13**
